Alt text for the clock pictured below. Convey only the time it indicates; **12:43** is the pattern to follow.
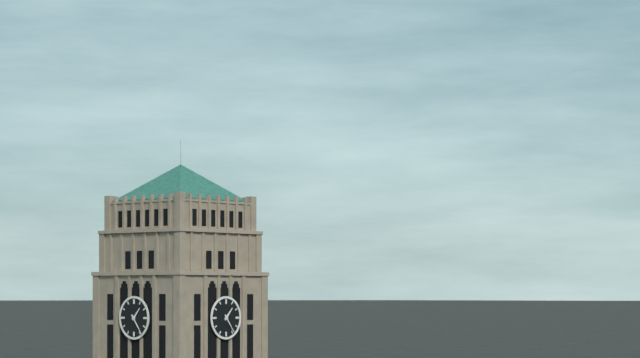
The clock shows **1:24**
